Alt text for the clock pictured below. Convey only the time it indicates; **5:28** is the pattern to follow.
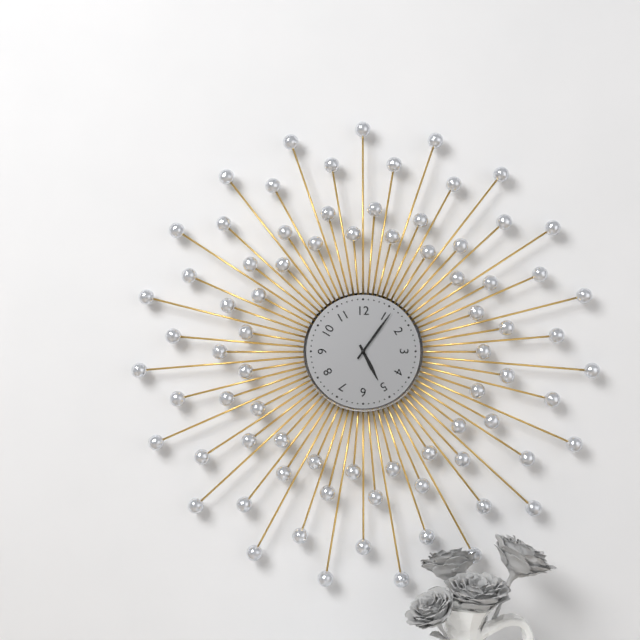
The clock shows **5:06**
